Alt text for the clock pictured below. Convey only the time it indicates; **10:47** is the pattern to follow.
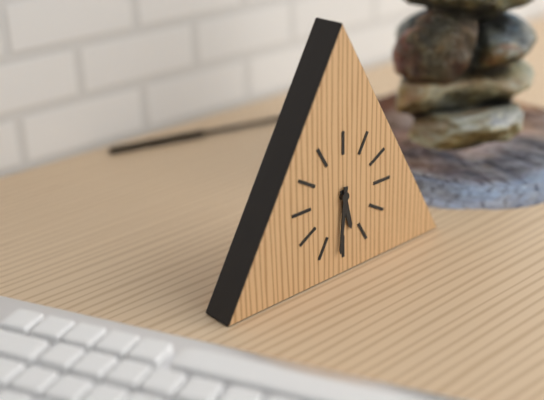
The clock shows **5:31**
